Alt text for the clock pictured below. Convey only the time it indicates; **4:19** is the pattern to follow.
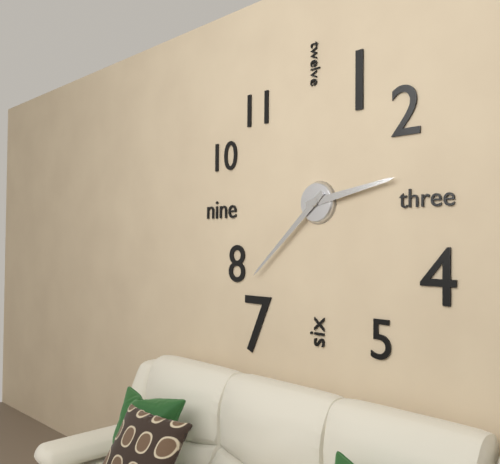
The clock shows **2:38**
